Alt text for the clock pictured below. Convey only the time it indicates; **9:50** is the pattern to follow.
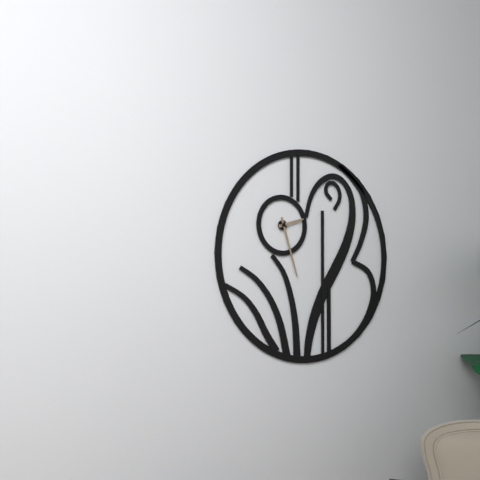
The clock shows **2:27**
